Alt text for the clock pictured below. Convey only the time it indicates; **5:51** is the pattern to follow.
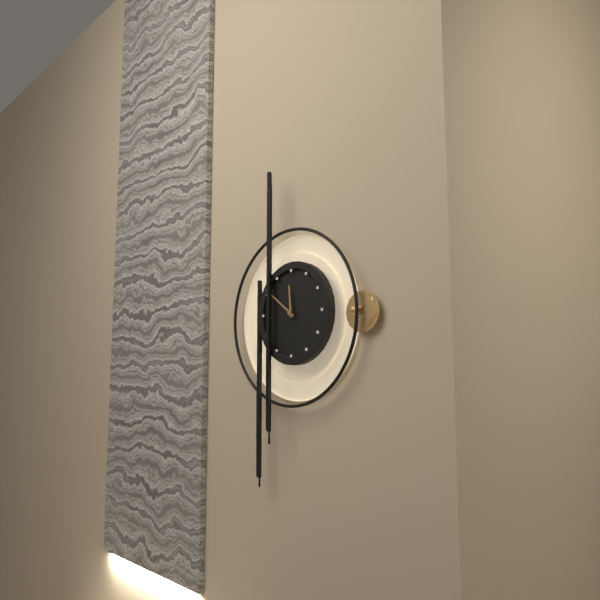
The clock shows **11:51**
